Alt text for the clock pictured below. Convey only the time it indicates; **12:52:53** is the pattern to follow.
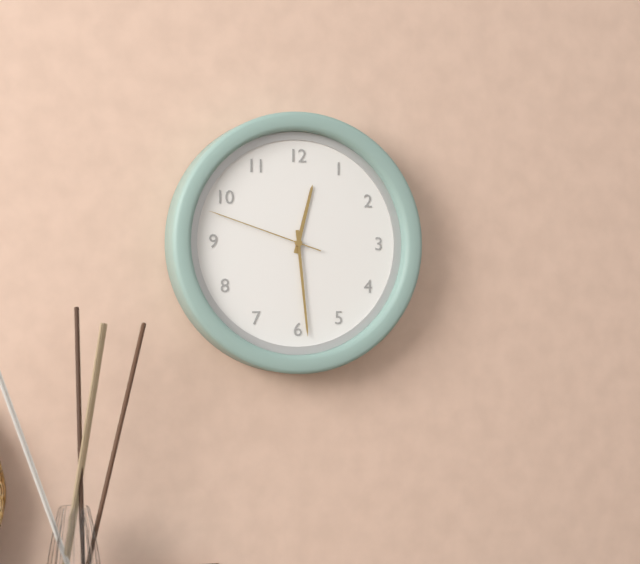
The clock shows **12:29:48**
